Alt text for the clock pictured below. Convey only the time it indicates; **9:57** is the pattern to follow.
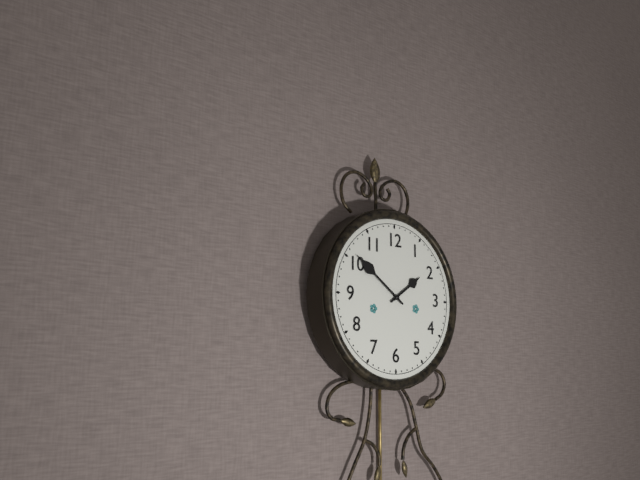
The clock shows **1:51**
